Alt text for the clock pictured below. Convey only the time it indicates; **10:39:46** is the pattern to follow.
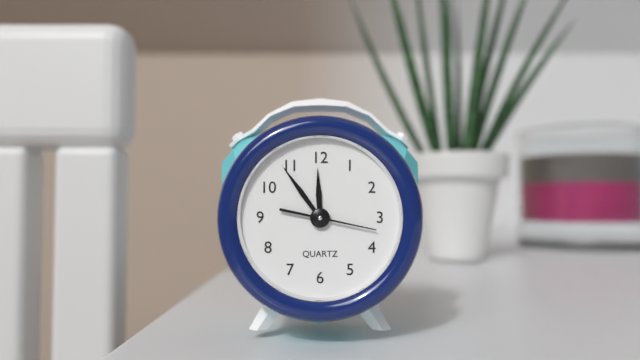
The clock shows **11:54:17**
